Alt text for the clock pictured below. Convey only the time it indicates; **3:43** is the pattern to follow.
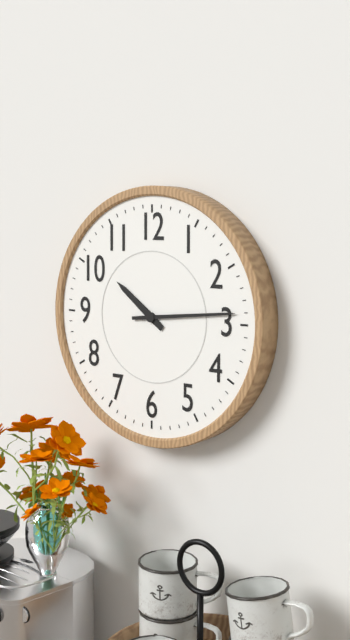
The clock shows **10:14**
